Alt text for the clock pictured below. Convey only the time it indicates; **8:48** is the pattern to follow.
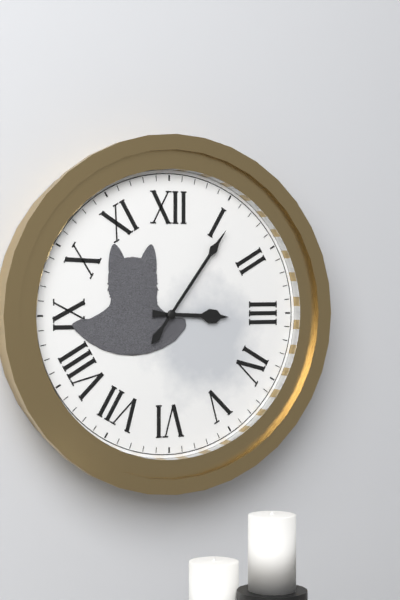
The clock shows **3:06**
